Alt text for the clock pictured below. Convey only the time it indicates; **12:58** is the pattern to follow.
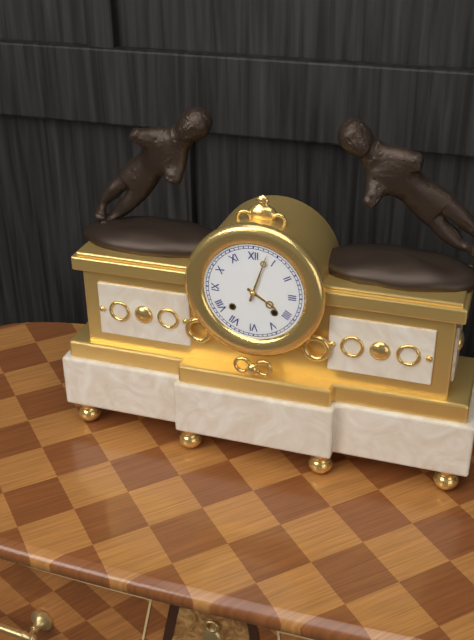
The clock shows **4:03**
